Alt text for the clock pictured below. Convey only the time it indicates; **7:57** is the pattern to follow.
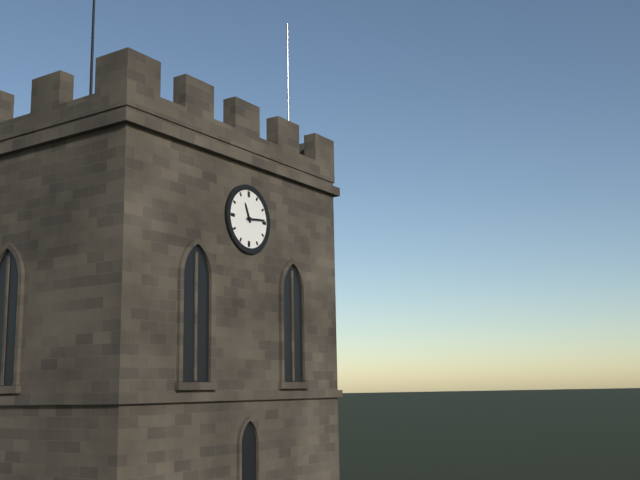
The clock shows **11:14**
